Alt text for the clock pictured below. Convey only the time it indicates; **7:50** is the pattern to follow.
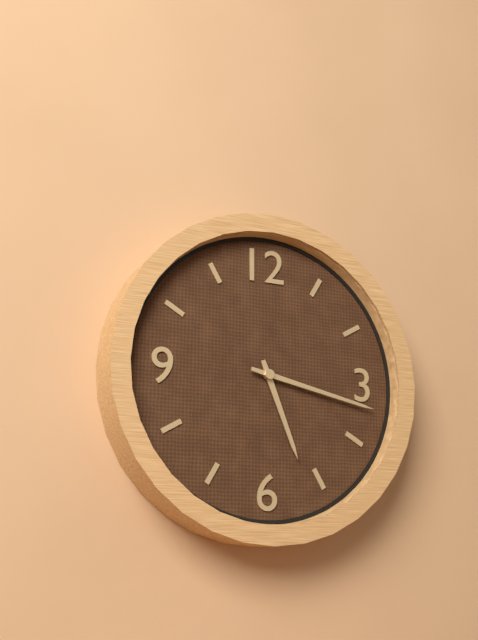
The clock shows **5:17**
